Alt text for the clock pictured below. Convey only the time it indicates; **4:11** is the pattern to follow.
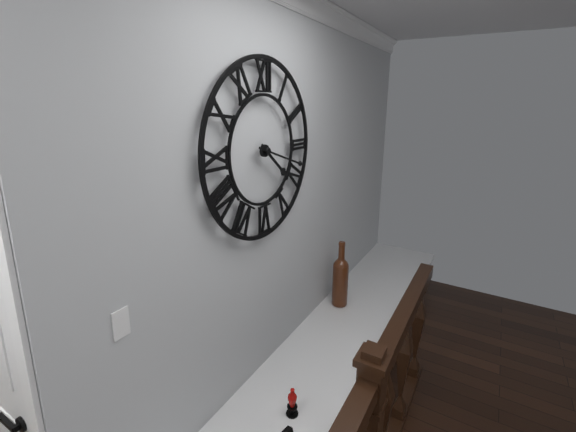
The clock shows **4:18**
